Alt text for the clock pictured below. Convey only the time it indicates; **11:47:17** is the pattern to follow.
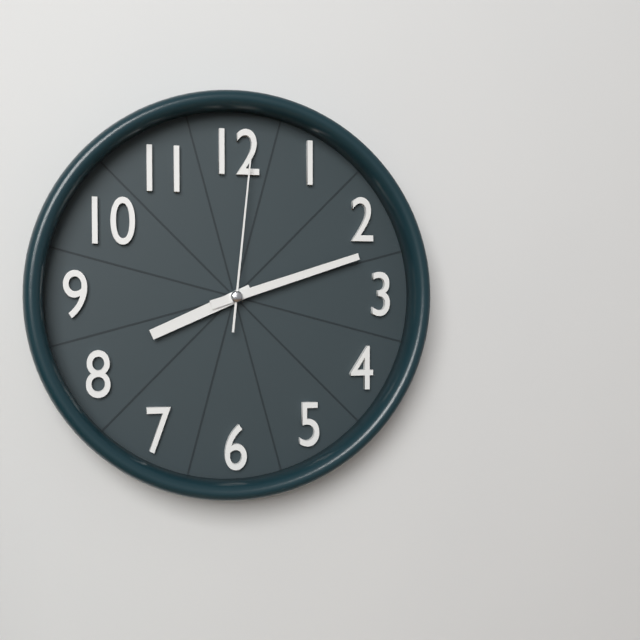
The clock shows **8:12:01**
